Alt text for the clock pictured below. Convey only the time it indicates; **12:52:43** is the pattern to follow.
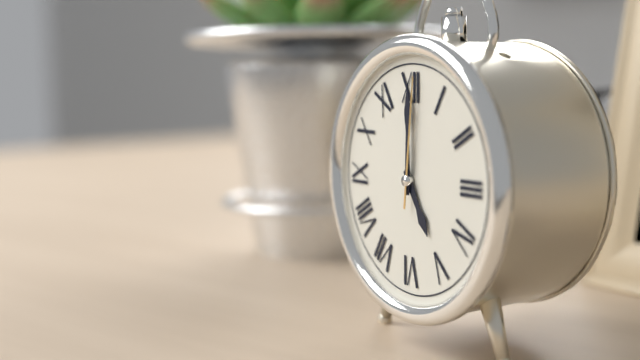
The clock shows **5:00:01**
